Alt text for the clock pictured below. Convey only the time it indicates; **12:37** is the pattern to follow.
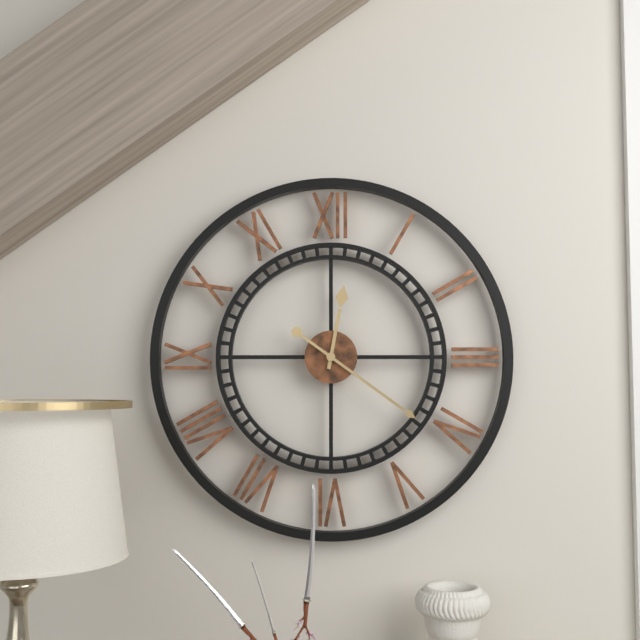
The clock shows **12:21**
